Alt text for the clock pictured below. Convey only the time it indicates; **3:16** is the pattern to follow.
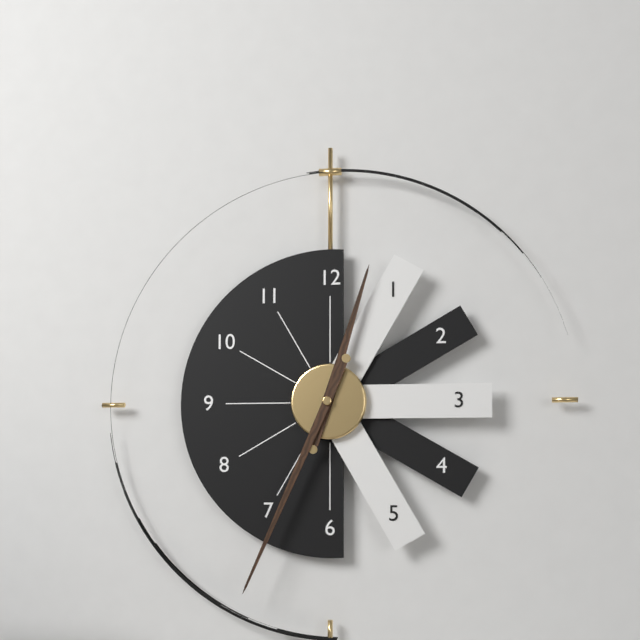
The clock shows **12:34**
